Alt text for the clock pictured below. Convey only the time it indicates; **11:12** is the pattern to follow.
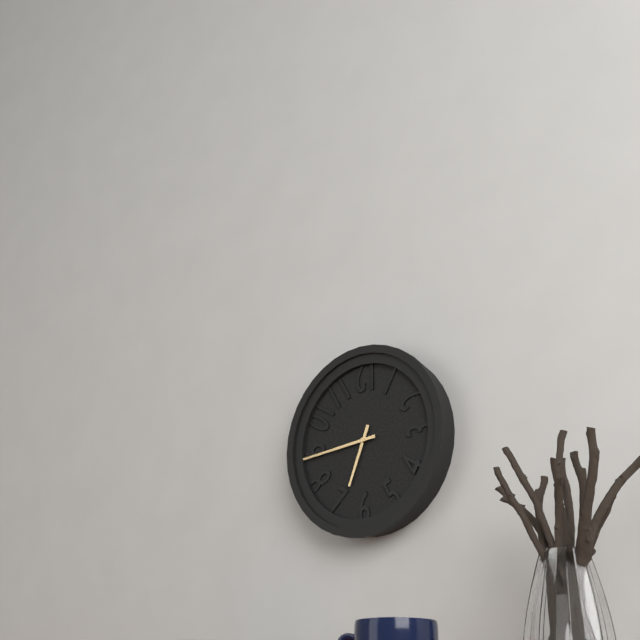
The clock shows **6:44**
